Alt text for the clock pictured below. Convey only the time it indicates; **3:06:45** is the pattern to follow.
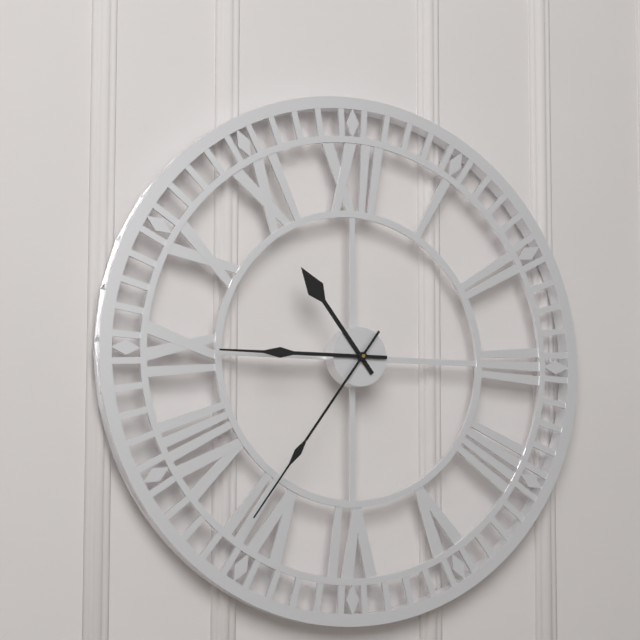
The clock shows **10:45:36**
